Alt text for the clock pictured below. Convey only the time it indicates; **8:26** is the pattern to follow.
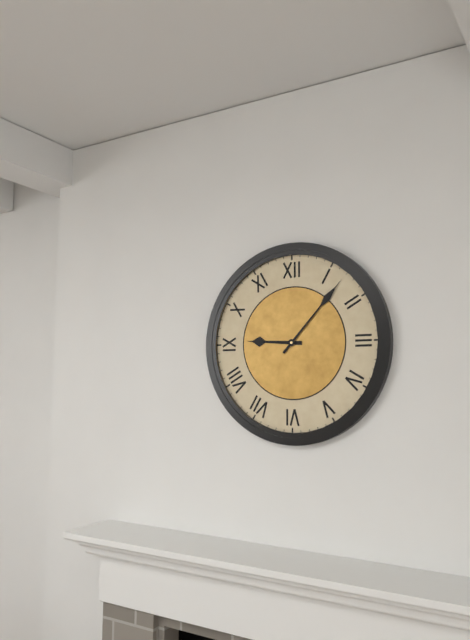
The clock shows **9:07**
